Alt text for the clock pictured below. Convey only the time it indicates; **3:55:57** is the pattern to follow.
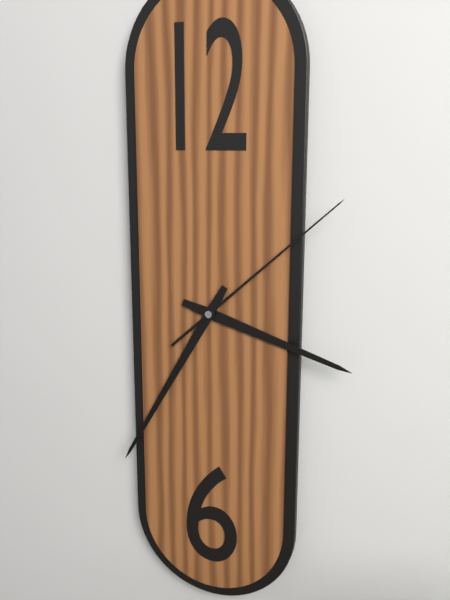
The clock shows **3:35:08**
